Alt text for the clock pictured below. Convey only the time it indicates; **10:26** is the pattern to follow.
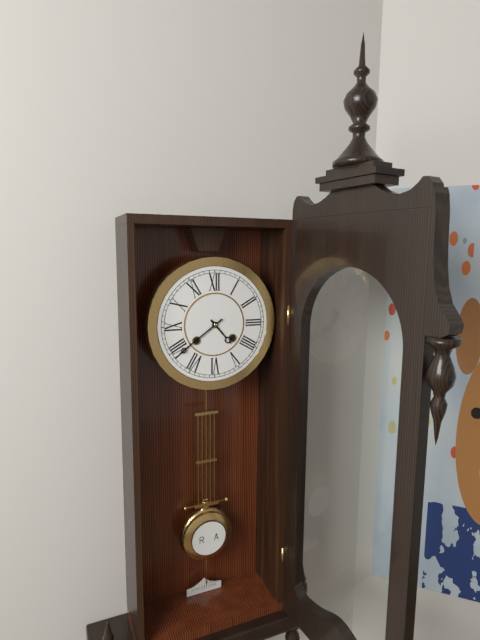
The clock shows **4:39**
